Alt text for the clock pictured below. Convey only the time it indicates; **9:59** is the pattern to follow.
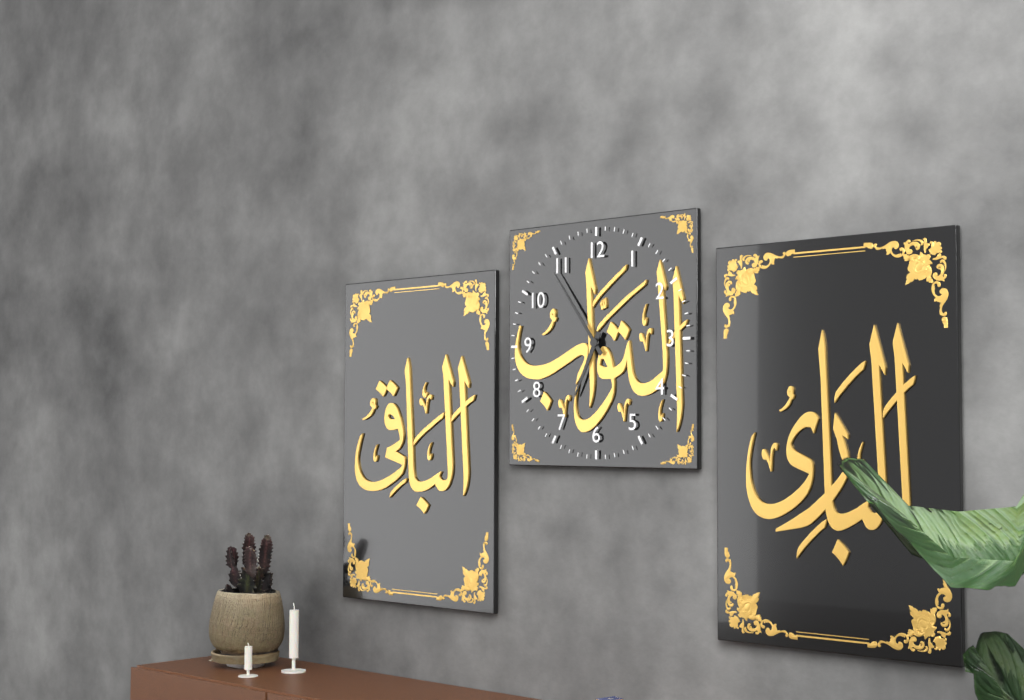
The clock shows **6:54**
